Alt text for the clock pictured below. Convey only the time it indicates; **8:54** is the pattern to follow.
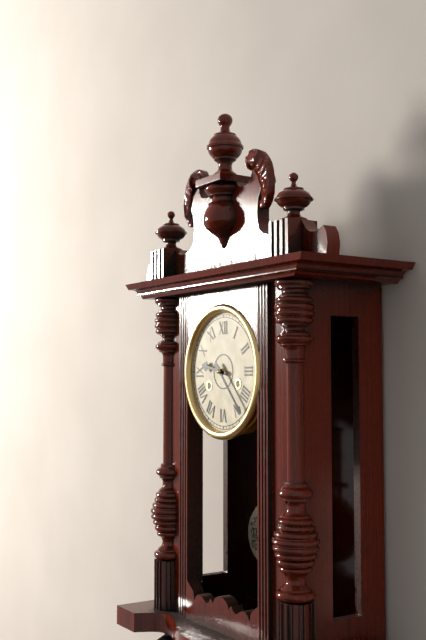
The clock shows **9:23**
